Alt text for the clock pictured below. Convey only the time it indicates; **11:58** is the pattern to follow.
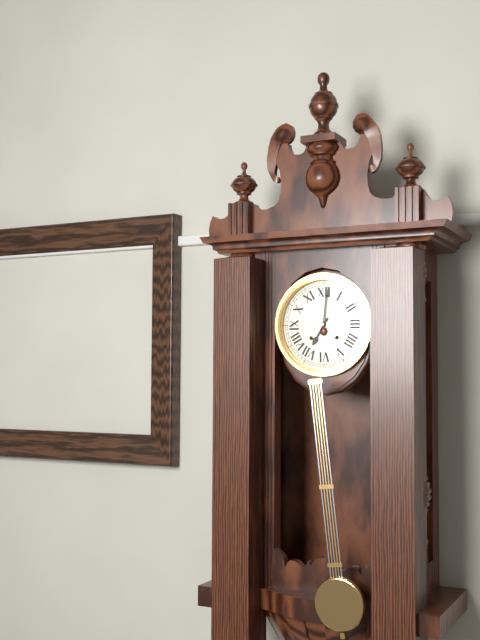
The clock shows **7:01**
